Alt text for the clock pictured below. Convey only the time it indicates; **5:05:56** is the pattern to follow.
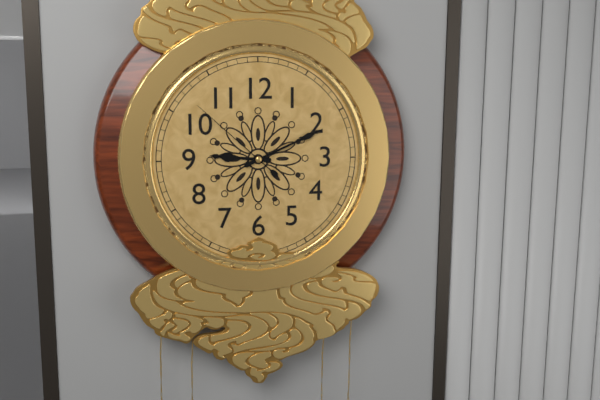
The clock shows **9:11:52**
